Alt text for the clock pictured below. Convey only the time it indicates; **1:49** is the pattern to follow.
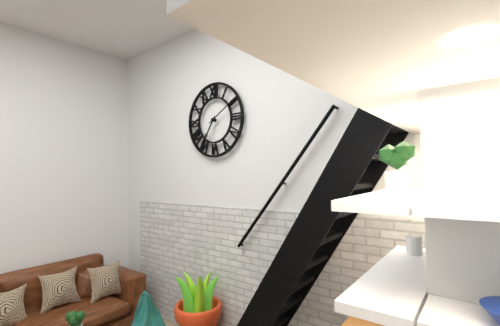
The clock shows **7:10**
